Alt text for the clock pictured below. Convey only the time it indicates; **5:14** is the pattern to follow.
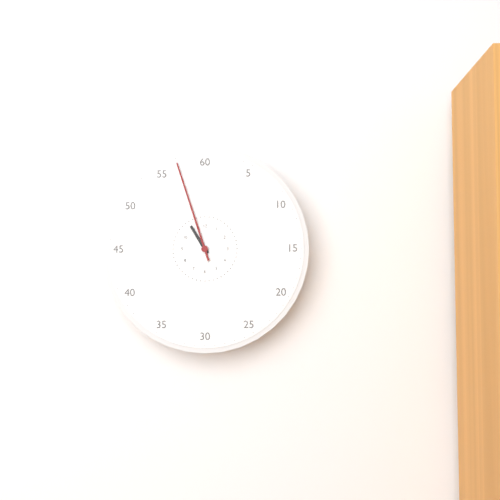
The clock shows **10:57**
